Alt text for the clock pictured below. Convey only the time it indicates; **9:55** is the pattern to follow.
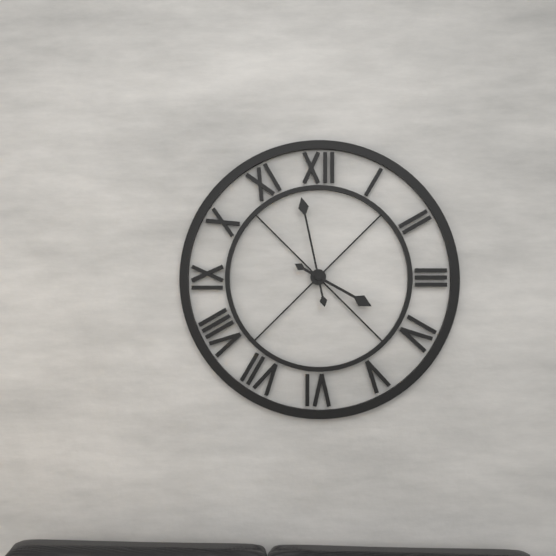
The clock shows **3:58**
